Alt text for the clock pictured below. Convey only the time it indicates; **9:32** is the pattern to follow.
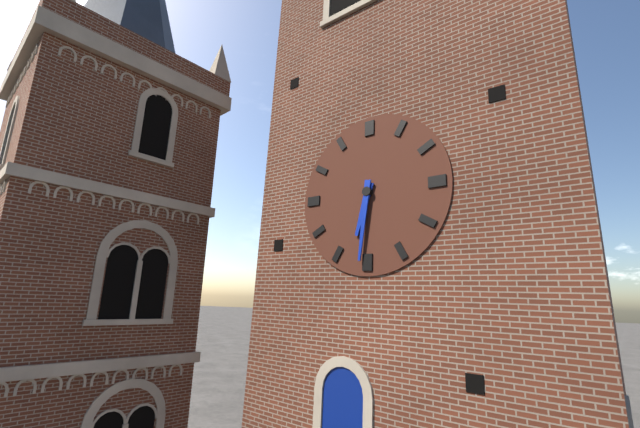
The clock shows **6:31**
